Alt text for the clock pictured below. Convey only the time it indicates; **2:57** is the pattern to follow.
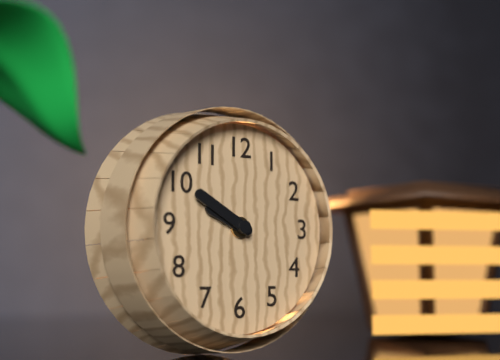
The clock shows **9:50**
